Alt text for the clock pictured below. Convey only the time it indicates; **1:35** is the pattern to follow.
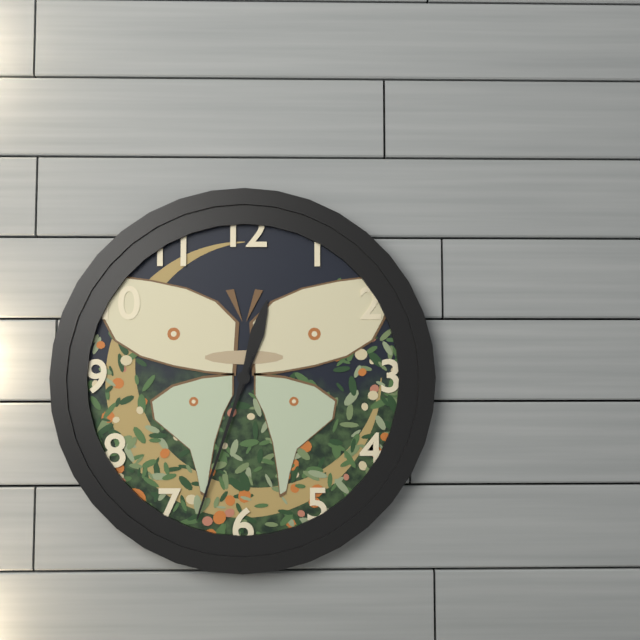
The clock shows **12:33**
